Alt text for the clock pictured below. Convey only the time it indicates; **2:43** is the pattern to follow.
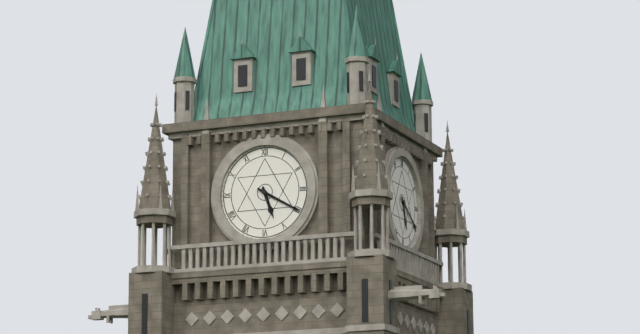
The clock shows **5:20**
